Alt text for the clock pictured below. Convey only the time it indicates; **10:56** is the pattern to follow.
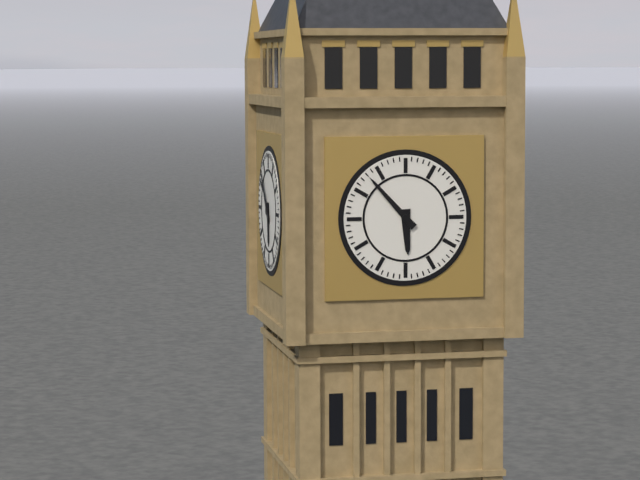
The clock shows **5:53**
